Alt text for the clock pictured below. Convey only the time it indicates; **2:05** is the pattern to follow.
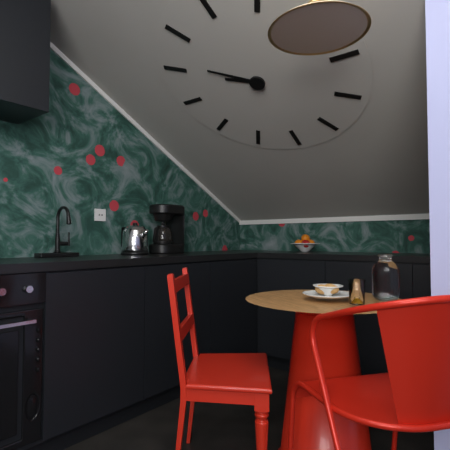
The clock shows **9:51**
